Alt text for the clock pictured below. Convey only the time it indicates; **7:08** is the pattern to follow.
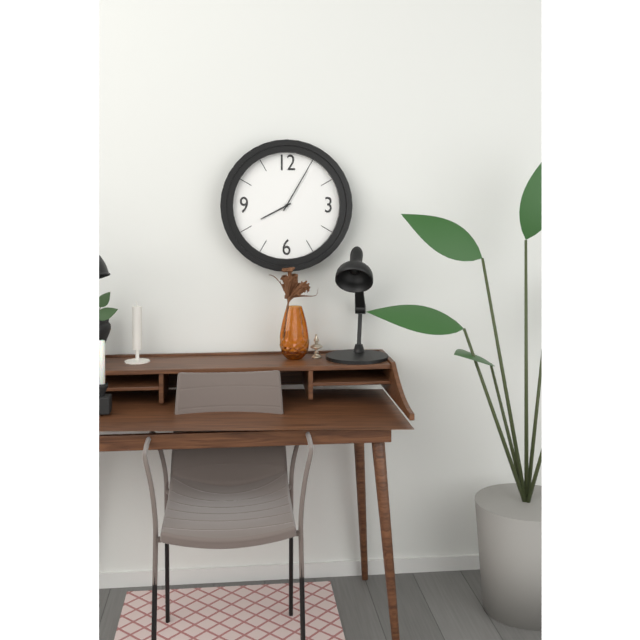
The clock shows **8:05**
